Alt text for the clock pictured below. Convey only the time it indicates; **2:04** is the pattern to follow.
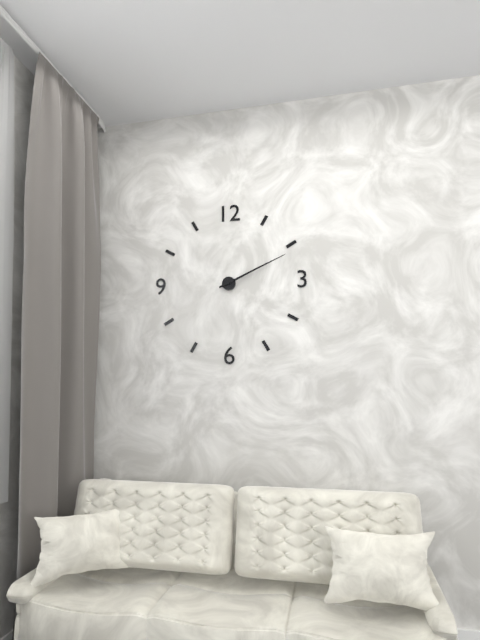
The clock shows **2:11**
